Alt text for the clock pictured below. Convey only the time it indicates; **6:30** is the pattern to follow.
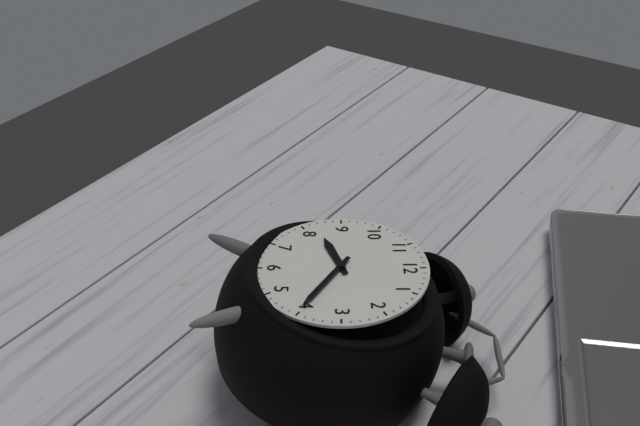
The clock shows **8:20**
